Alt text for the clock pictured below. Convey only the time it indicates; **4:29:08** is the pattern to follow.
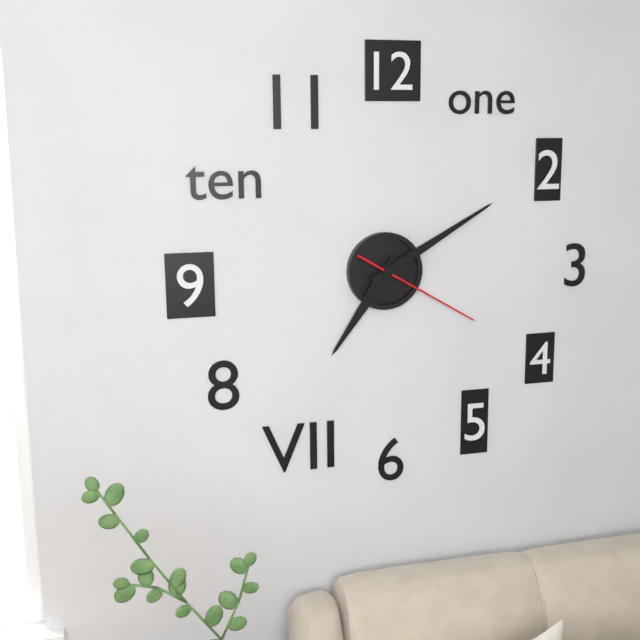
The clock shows **7:10:20**
